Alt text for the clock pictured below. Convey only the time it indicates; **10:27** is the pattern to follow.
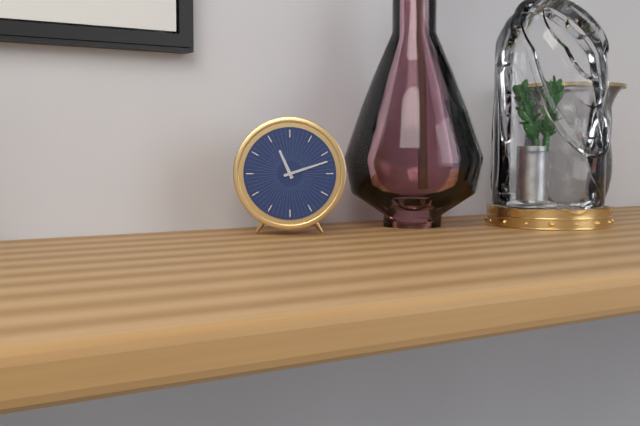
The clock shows **11:12**
